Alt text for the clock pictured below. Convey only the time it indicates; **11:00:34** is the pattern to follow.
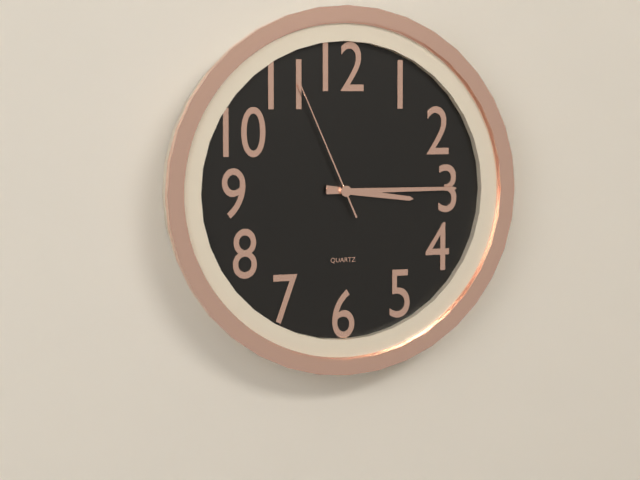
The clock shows **3:15:56**
